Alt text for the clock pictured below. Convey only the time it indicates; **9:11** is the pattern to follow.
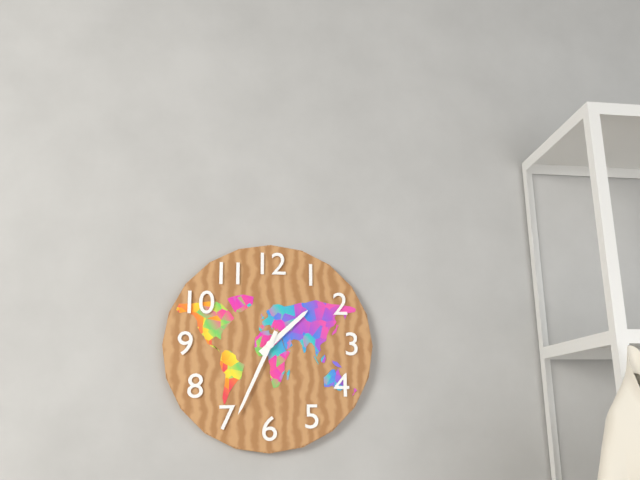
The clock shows **1:34**
